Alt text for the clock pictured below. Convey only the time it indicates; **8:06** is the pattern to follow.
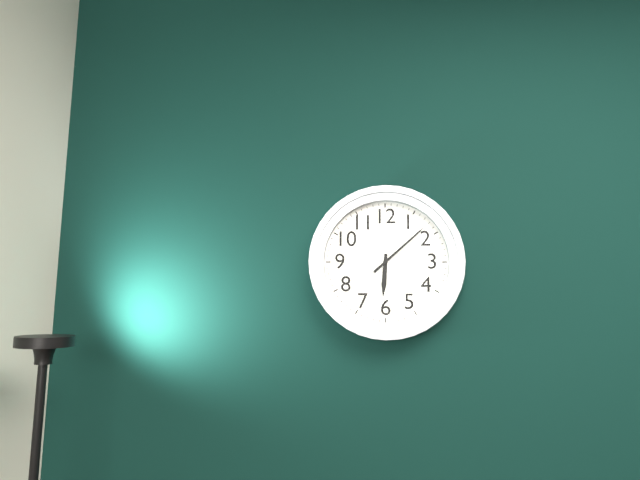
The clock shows **6:08**
